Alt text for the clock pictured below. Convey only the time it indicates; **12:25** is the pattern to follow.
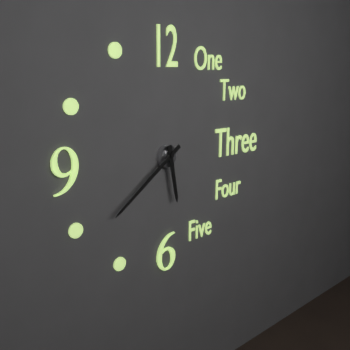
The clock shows **5:39**
